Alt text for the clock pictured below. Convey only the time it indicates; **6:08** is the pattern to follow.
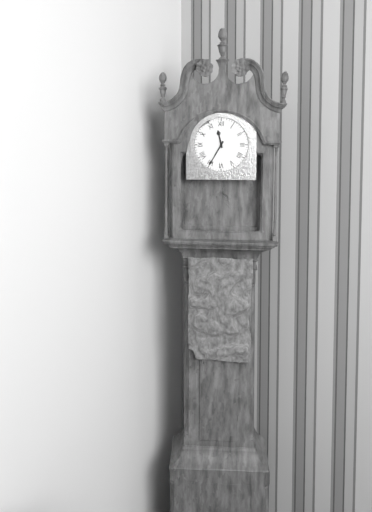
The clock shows **11:35**
